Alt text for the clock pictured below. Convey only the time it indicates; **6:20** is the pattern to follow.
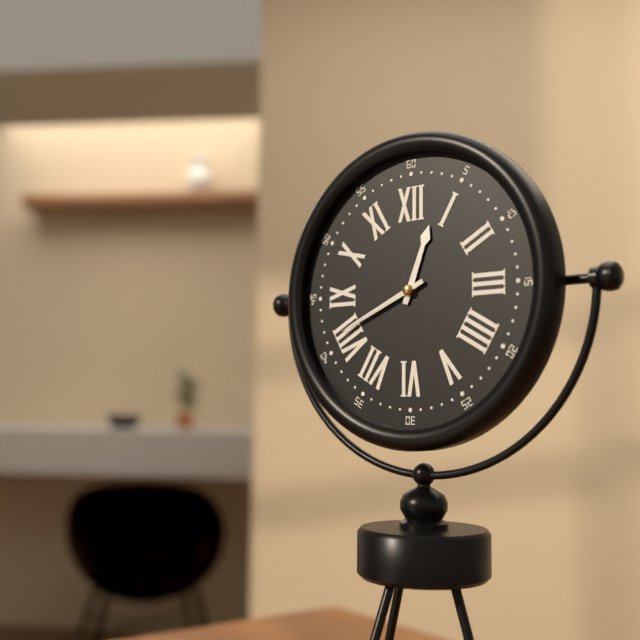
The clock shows **12:41**
